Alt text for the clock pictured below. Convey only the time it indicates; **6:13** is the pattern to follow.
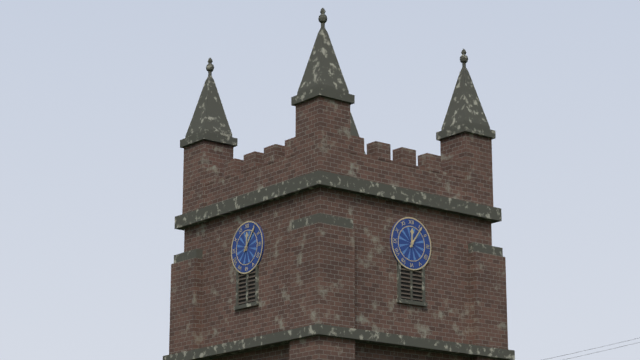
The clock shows **12:06**
